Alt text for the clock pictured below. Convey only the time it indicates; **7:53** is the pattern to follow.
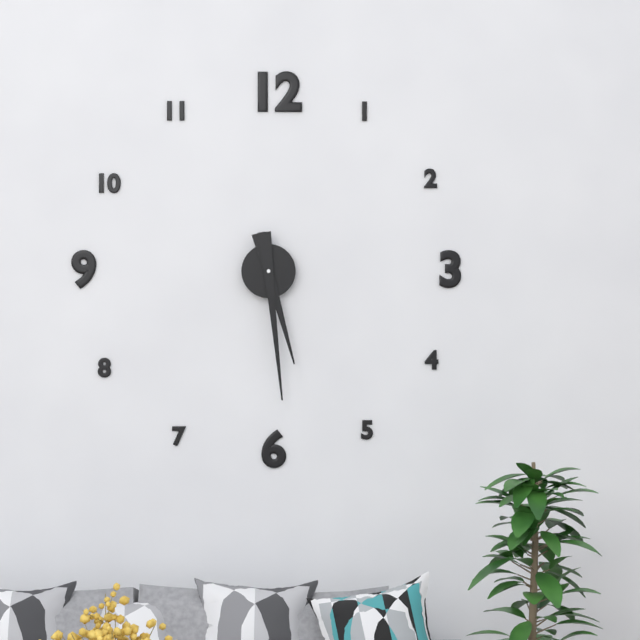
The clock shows **5:29**
